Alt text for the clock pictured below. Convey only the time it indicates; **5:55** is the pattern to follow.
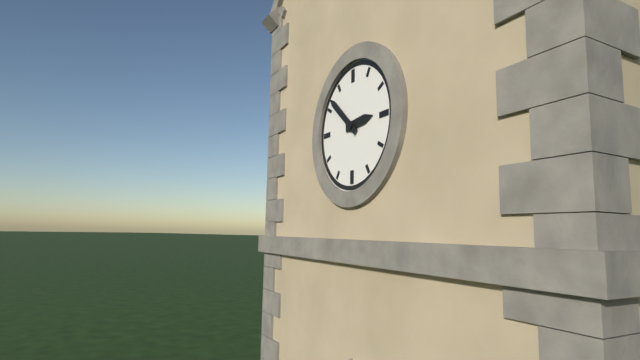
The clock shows **2:52**
